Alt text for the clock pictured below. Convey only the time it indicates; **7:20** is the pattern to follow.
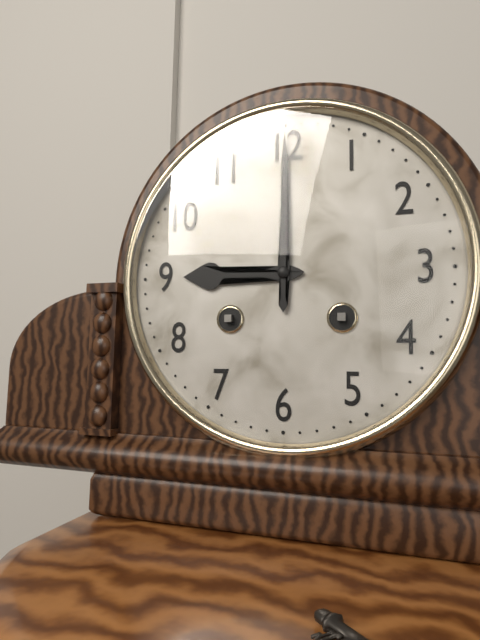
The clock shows **9:00**
